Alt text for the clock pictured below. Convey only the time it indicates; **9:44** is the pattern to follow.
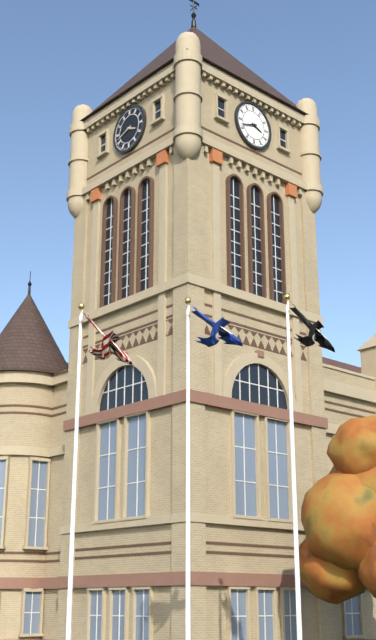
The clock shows **3:42**
